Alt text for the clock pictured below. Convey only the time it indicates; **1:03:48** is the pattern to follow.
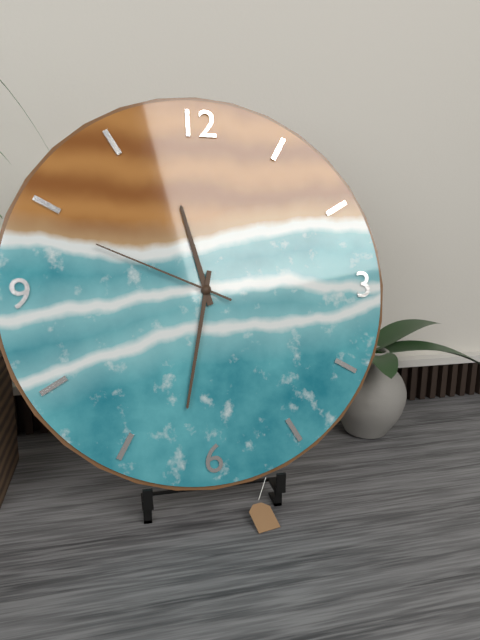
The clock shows **11:32:49**
